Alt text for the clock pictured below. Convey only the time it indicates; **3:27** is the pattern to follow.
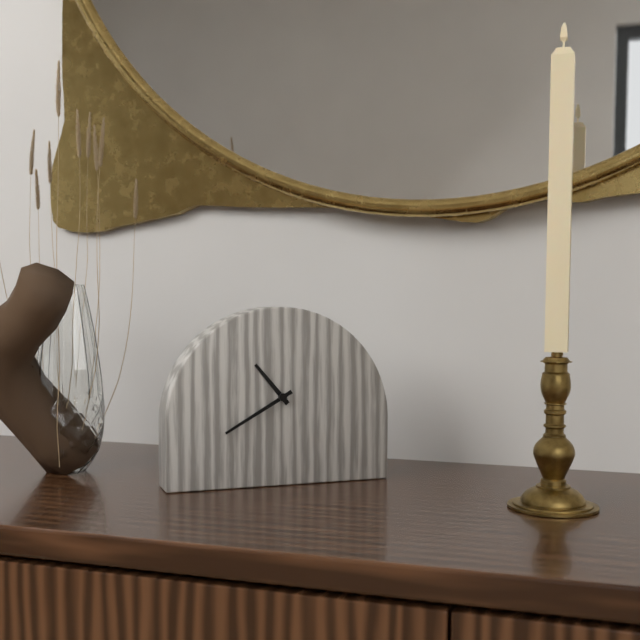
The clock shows **10:40**
